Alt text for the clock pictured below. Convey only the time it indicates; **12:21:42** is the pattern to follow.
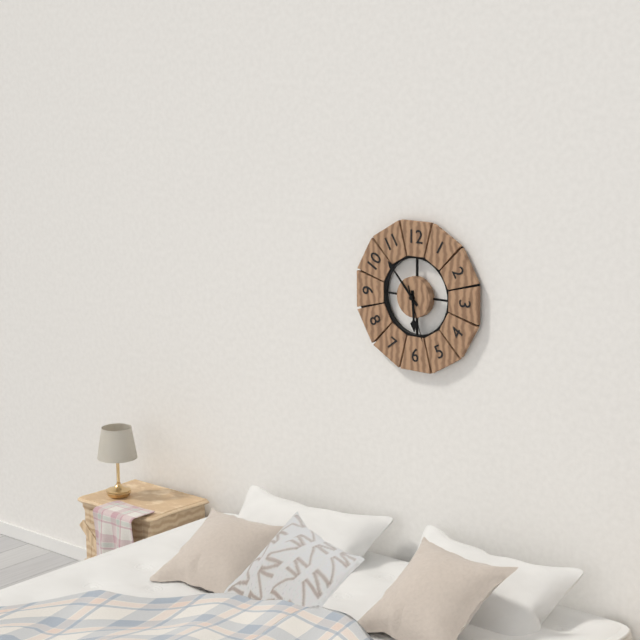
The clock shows **5:53:27**
